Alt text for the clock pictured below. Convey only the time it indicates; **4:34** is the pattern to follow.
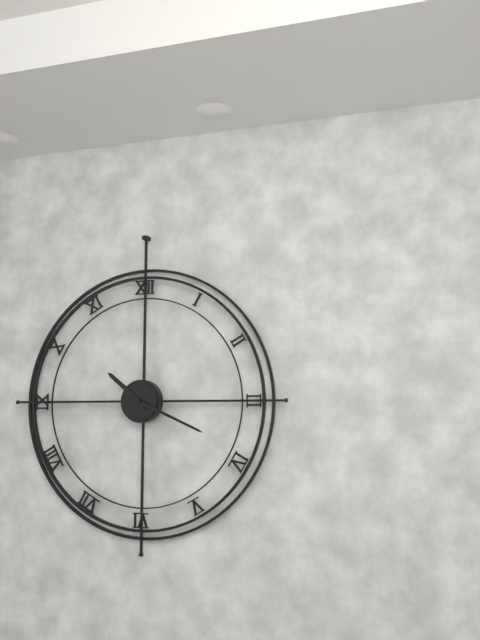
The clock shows **10:19**
